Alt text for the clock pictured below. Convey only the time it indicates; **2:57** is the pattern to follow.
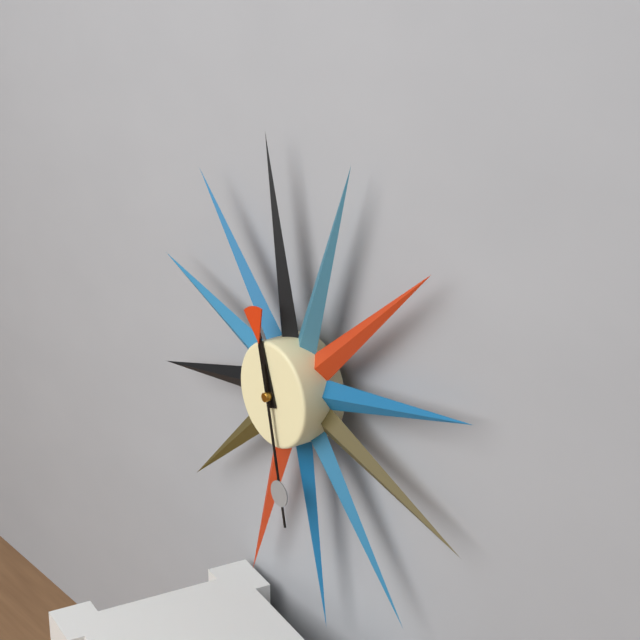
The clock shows **11:28**
